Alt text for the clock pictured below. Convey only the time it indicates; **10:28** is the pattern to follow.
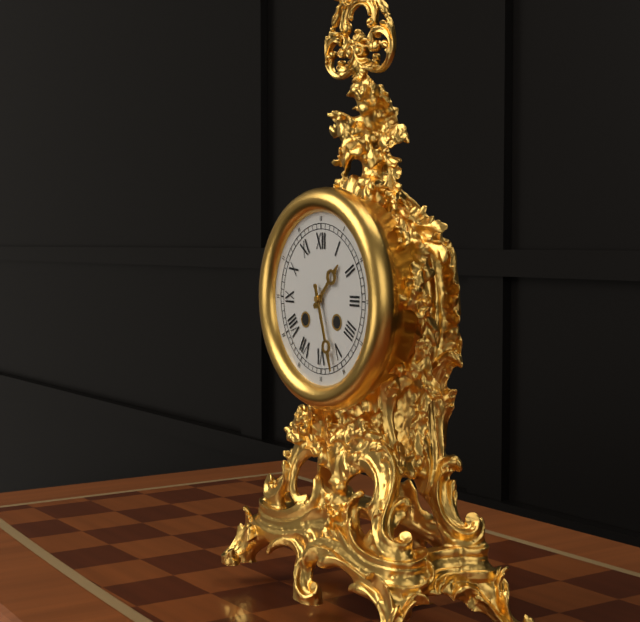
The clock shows **1:27**
